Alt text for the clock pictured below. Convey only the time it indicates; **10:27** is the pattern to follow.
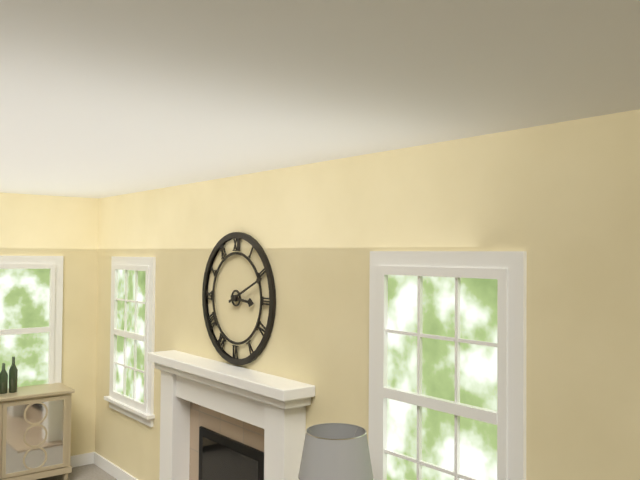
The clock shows **3:11**
